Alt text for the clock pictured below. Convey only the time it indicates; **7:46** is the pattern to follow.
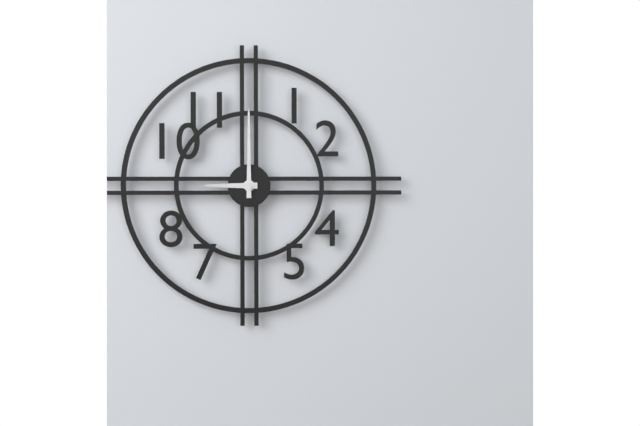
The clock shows **9:00**
